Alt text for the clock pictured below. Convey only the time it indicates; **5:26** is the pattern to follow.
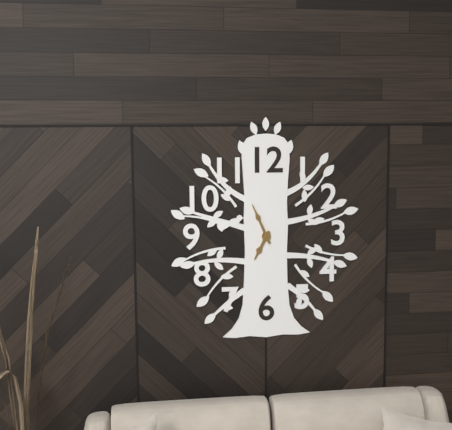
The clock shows **6:56**
